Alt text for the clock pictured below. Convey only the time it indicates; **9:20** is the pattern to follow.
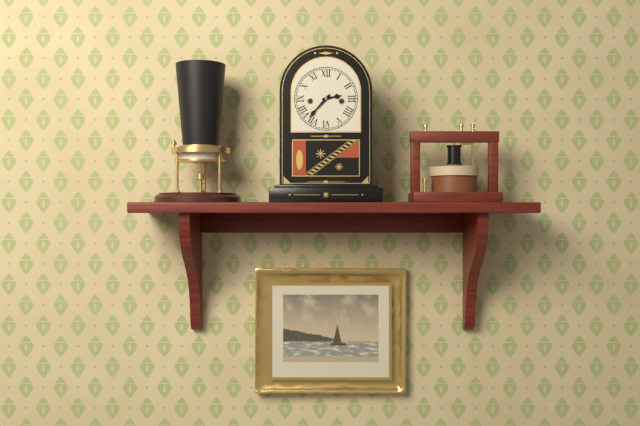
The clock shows **2:37**
